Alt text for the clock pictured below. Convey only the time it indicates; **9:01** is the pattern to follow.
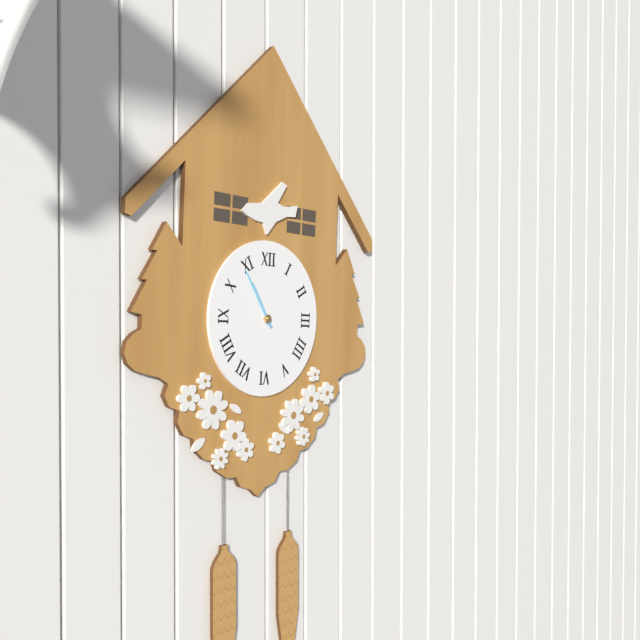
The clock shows **10:54**
